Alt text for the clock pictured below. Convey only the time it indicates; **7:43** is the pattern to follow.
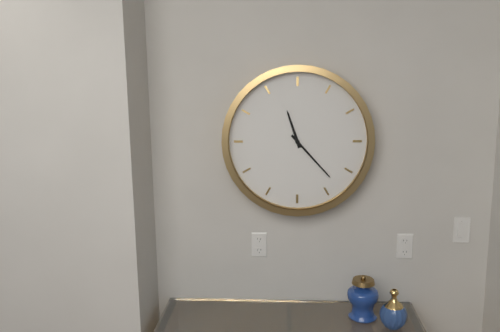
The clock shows **11:23**
